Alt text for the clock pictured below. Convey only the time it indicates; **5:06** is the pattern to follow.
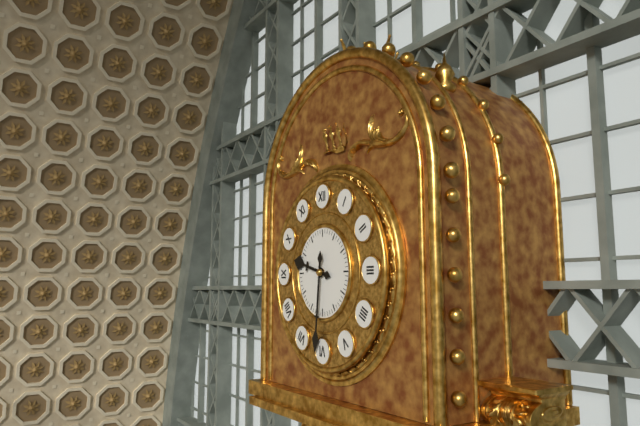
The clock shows **9:31**
